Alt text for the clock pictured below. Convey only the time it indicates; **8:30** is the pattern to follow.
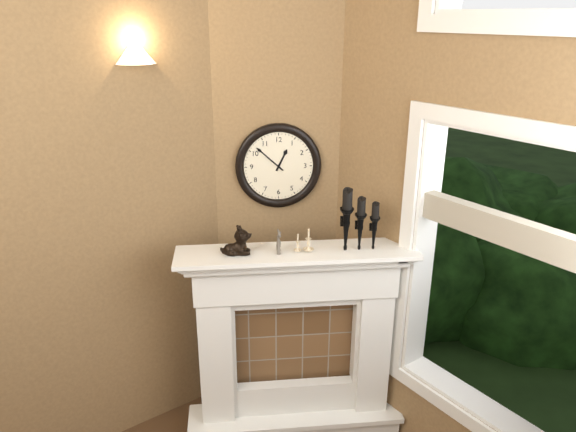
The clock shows **12:52**
